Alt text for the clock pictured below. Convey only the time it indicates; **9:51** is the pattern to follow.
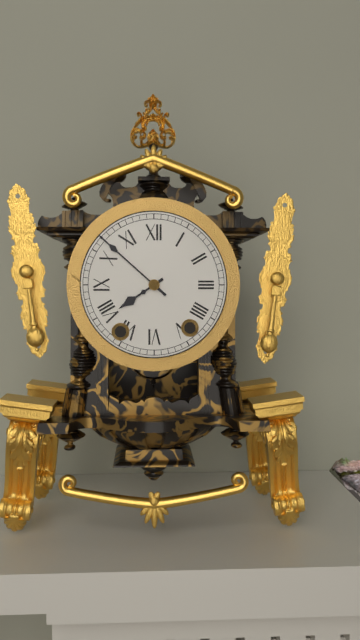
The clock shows **7:52**
